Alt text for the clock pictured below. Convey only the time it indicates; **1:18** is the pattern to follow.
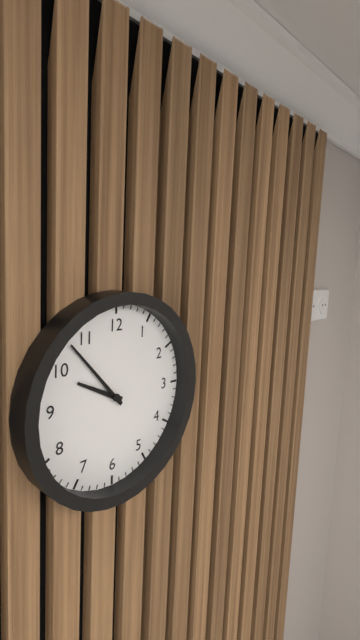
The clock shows **9:53**
